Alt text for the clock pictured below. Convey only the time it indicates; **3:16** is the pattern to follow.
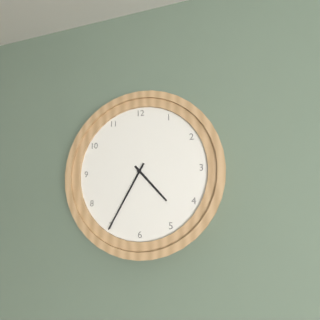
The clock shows **4:35**
